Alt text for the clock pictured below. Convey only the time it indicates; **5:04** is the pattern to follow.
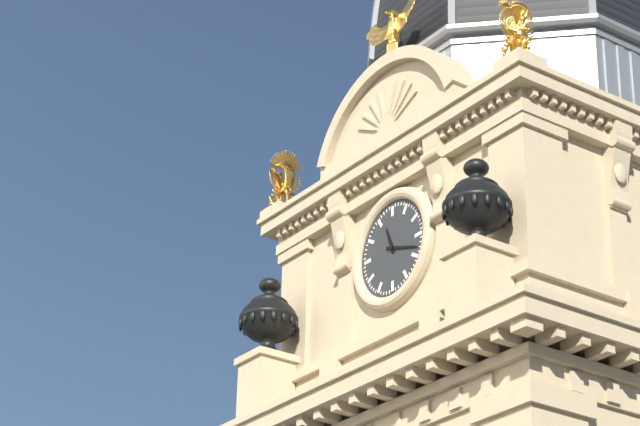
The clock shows **11:18**
